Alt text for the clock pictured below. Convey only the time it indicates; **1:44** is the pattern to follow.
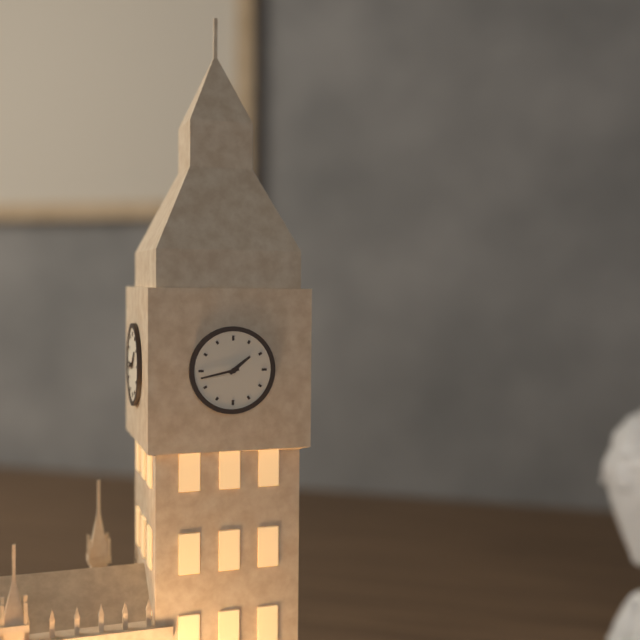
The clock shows **1:43**
